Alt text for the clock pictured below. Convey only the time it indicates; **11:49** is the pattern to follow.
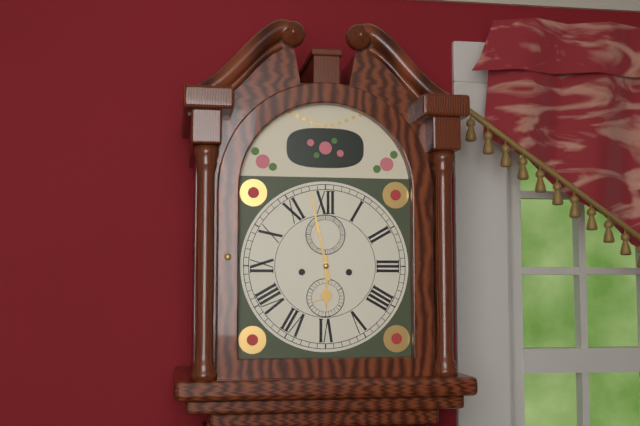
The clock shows **5:58**
